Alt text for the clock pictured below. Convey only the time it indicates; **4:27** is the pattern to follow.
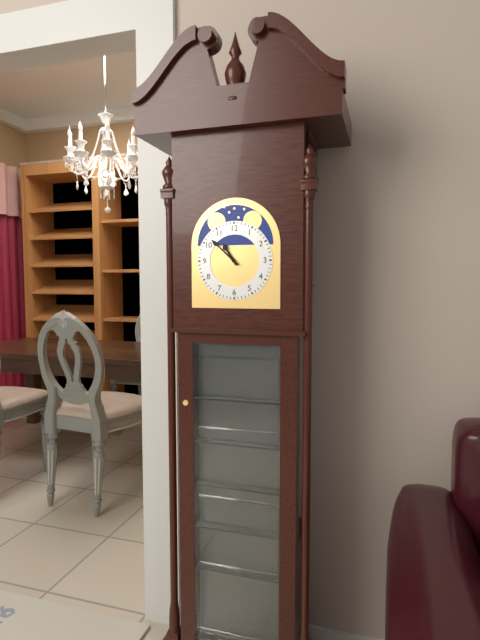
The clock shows **10:52**
